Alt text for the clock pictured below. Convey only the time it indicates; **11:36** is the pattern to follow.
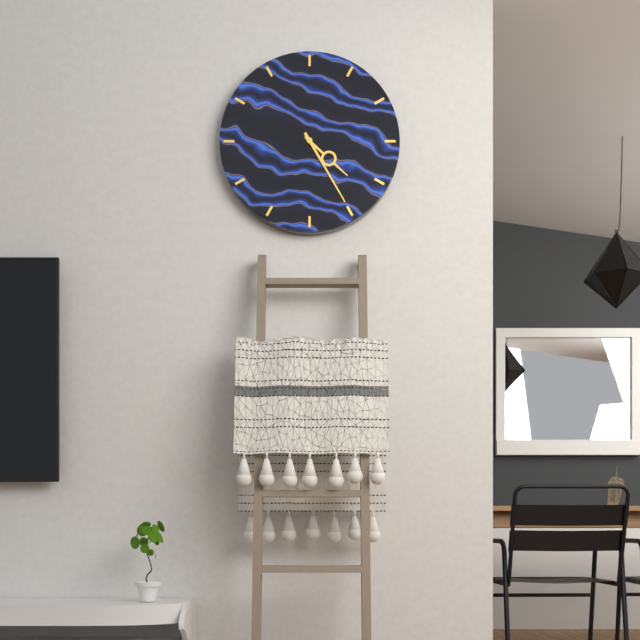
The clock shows **4:25**
